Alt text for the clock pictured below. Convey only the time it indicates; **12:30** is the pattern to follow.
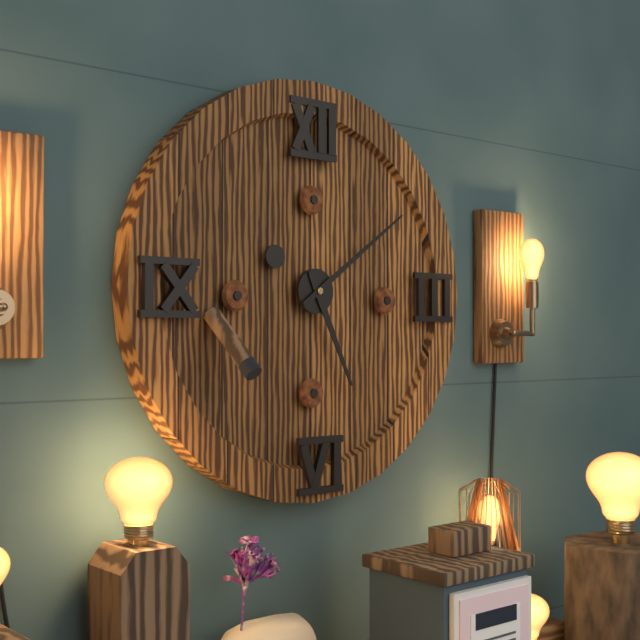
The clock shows **5:09**
